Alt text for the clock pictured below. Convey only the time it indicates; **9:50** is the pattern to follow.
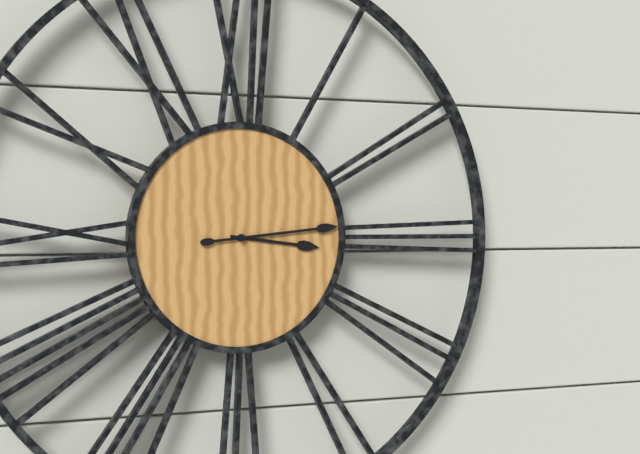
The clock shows **3:14**
